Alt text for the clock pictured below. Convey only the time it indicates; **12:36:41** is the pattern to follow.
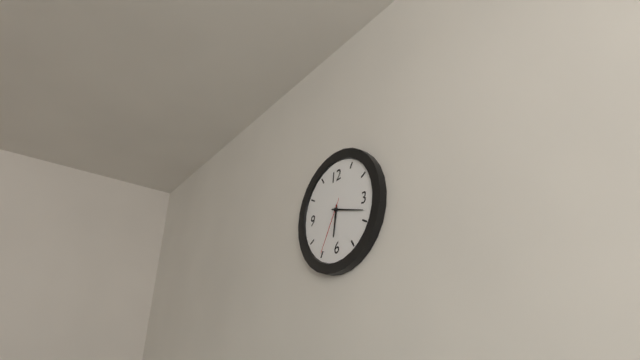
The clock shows **6:18:35**
